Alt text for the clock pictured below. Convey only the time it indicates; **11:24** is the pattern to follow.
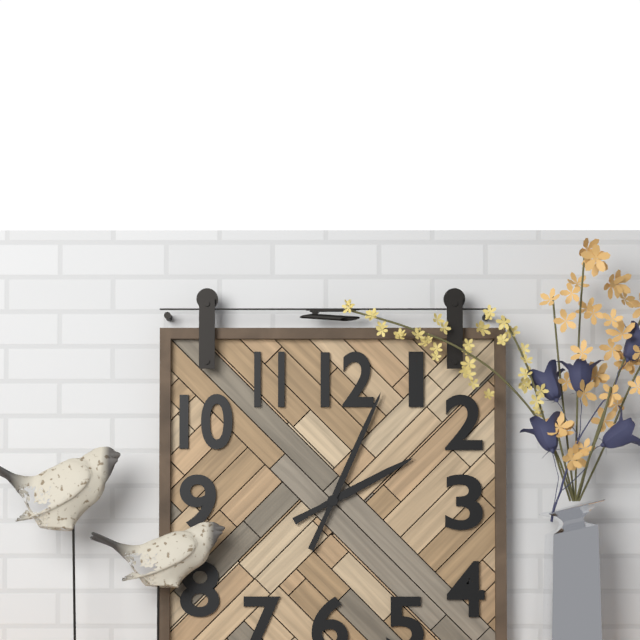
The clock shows **2:04**
